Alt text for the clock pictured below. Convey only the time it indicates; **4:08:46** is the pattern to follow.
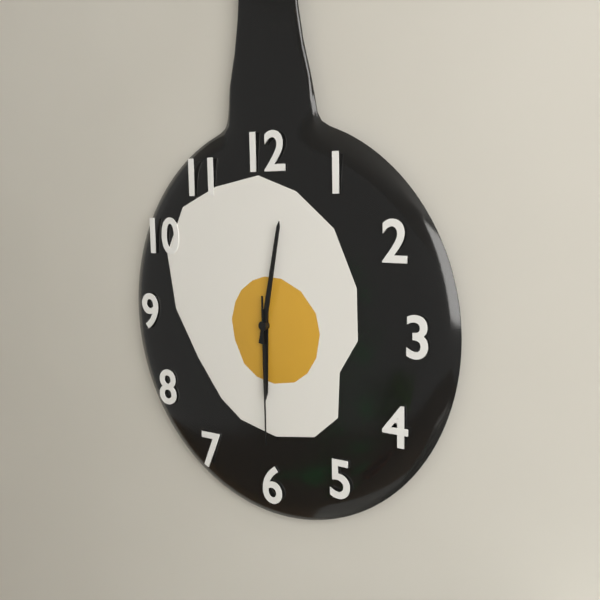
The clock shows **6:02:30**
